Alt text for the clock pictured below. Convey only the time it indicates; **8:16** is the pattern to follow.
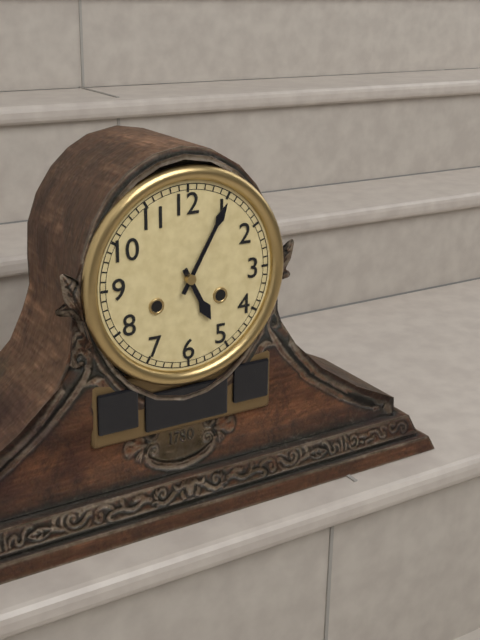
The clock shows **5:05**
